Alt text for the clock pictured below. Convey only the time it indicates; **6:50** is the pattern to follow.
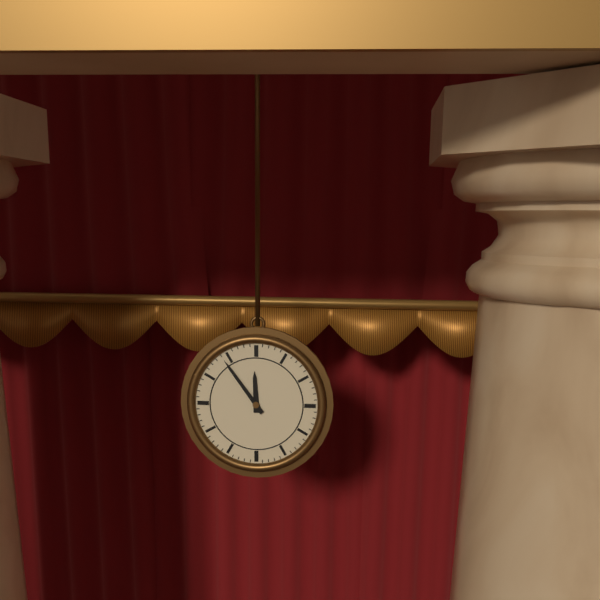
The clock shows **11:54**
